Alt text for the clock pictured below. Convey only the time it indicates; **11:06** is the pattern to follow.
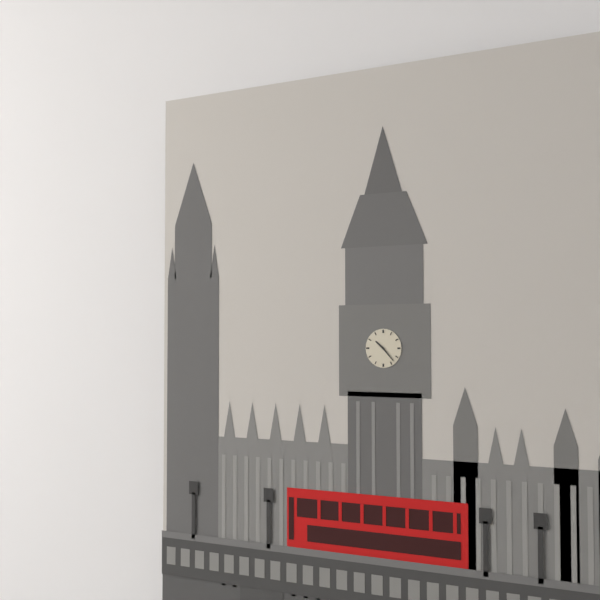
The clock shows **10:23**
